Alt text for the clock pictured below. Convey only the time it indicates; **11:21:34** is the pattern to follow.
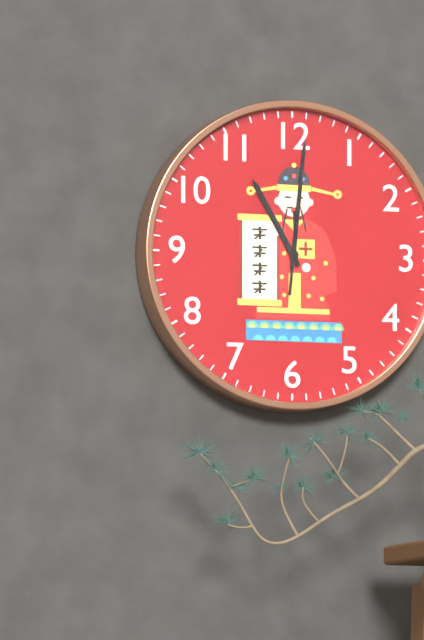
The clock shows **11:01:01**
